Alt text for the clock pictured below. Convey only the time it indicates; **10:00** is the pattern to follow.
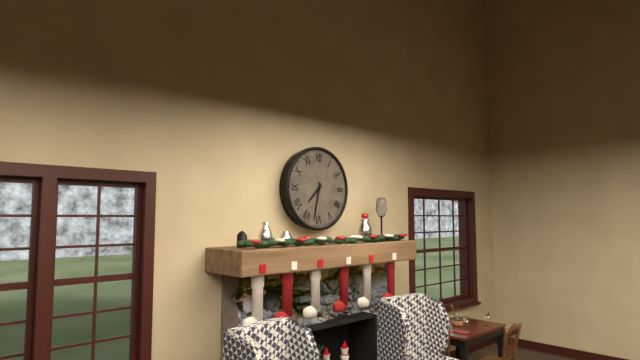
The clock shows **7:32**
